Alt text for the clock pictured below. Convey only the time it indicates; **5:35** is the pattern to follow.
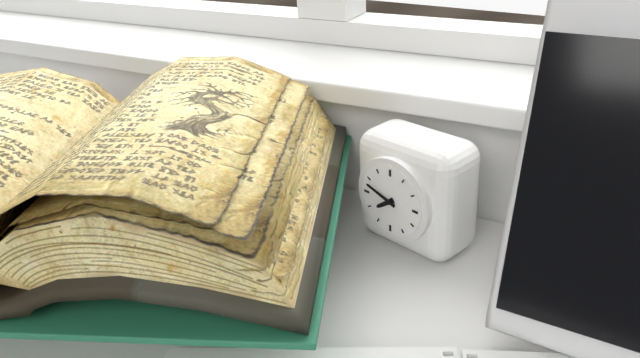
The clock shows **7:48**
